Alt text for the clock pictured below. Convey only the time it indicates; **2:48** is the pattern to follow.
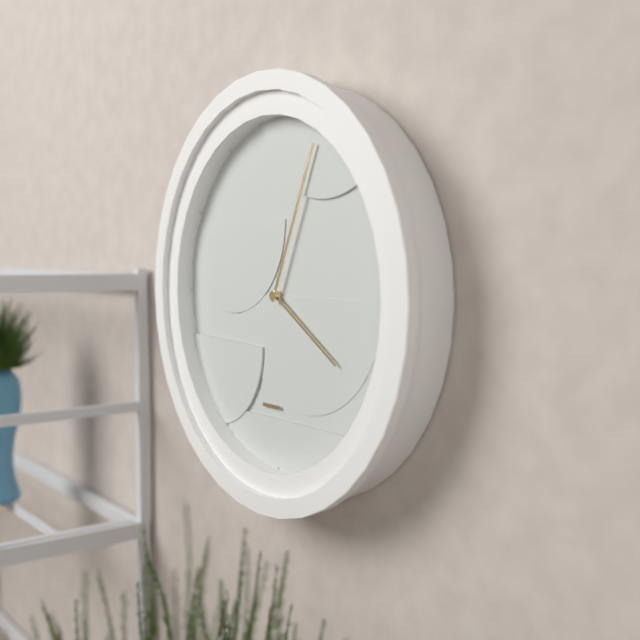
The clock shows **4:04**
